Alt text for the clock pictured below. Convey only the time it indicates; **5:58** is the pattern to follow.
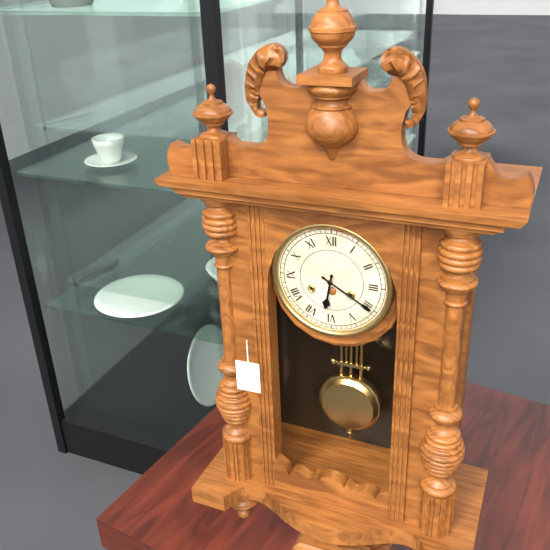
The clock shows **6:20**
